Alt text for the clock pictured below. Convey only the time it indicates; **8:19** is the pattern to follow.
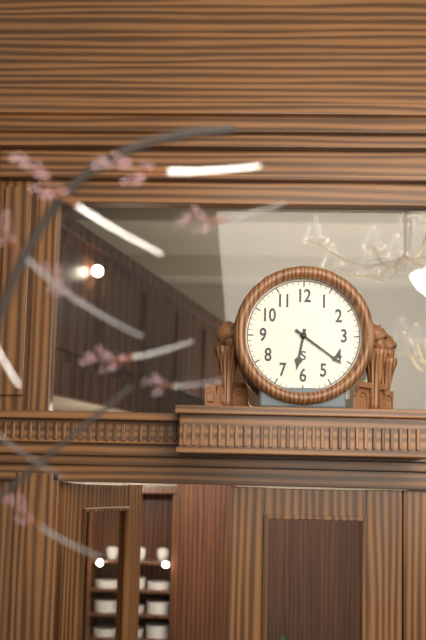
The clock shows **6:21**
